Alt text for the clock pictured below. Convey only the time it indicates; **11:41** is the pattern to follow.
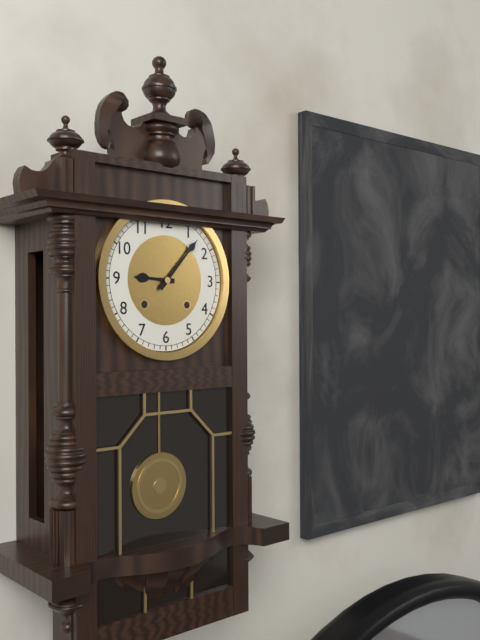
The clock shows **9:07**
